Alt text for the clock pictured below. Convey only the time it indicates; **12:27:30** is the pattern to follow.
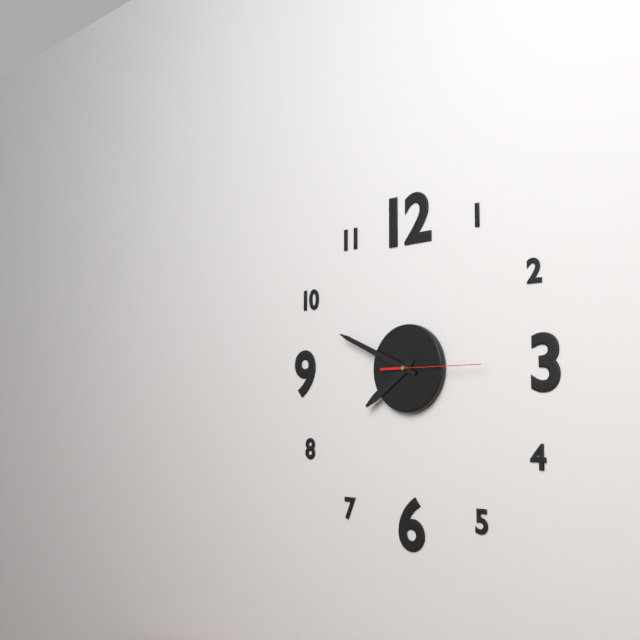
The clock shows **7:49:15**
